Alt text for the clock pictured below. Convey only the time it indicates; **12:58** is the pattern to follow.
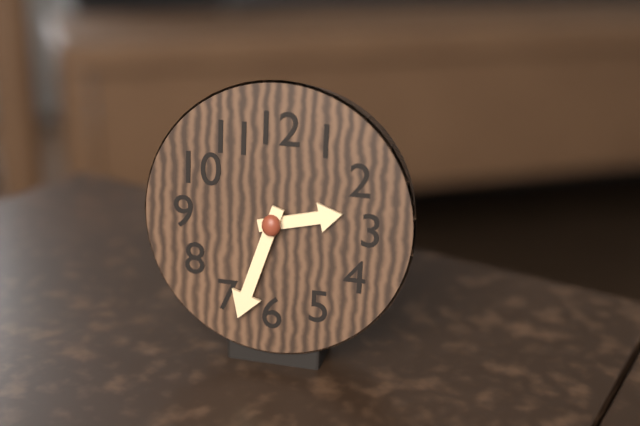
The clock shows **2:33**
